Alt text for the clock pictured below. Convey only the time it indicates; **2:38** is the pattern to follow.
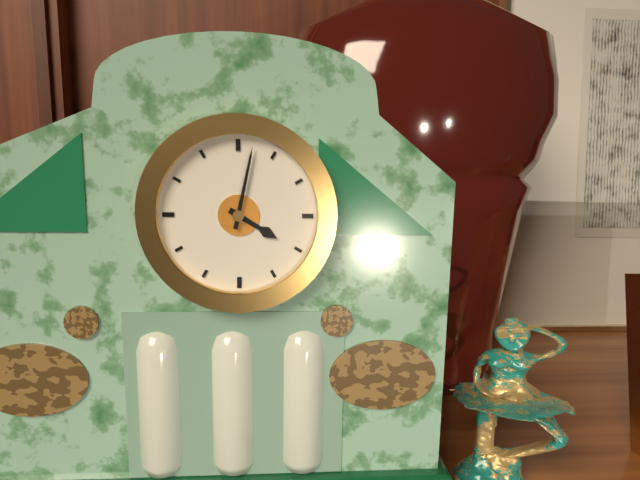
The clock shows **4:02**
